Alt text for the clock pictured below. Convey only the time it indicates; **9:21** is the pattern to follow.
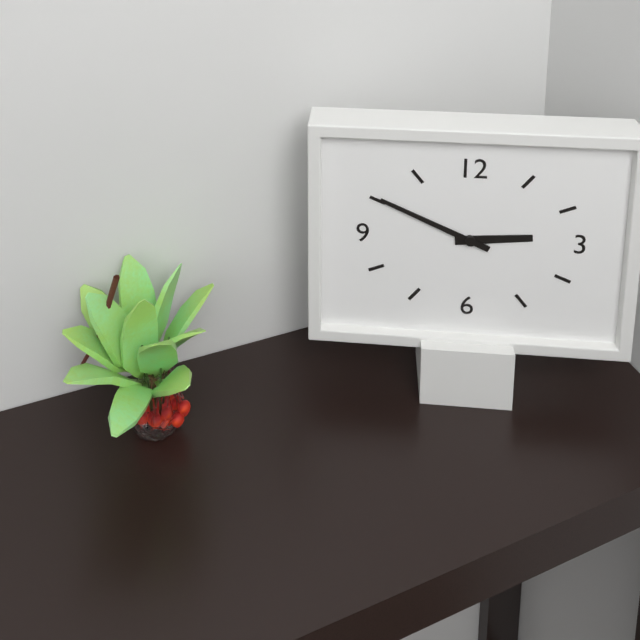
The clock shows **2:49**
